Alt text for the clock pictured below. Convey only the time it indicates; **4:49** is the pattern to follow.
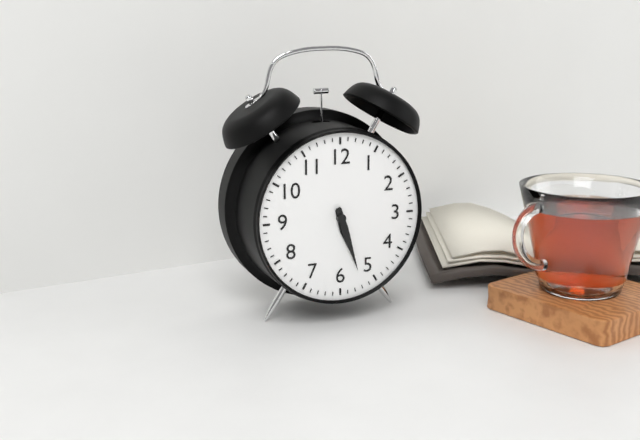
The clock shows **5:27**
